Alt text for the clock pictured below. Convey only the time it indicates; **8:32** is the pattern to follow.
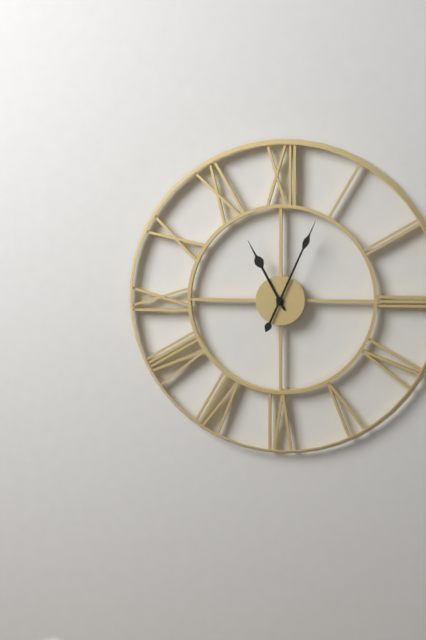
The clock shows **11:04**
